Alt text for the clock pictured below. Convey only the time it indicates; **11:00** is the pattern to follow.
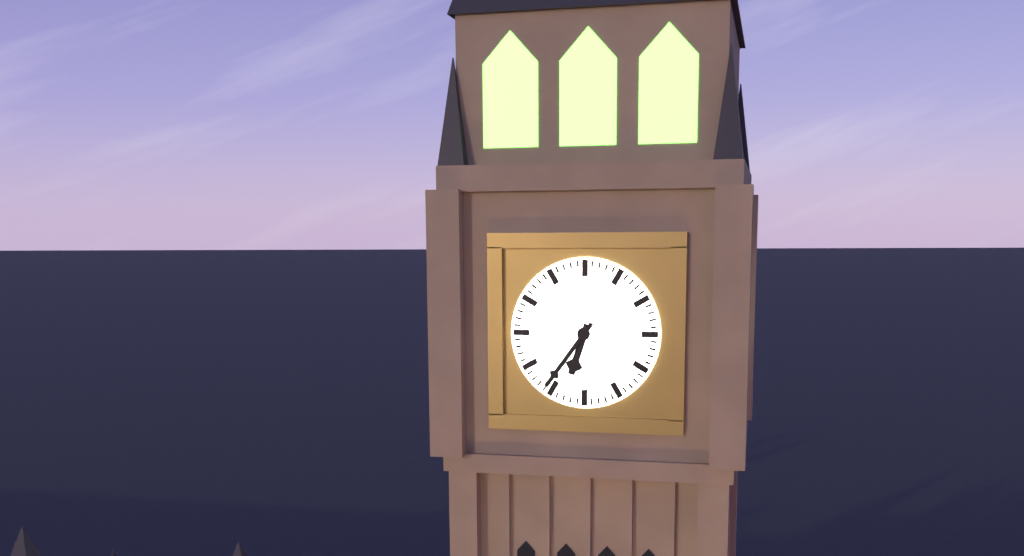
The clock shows **6:36**
